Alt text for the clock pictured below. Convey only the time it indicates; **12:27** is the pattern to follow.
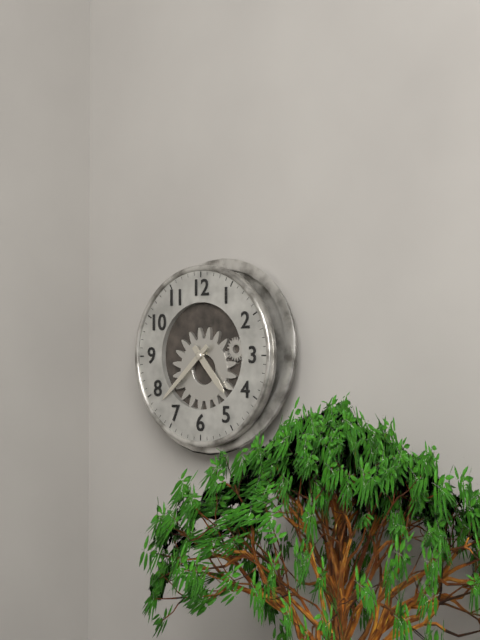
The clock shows **4:38**
